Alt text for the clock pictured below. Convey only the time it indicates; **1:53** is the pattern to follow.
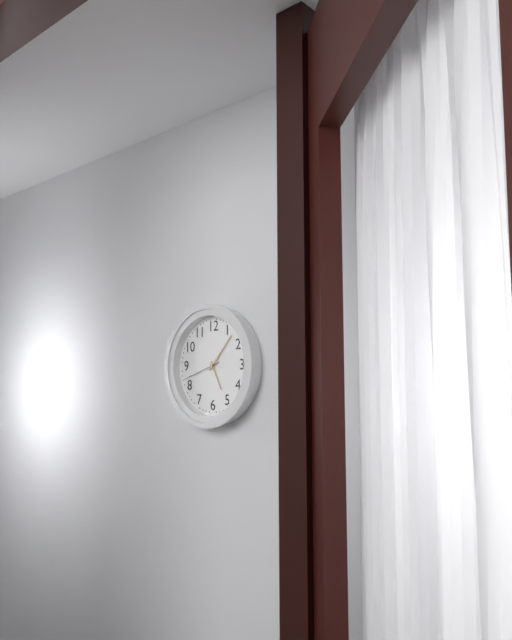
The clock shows **5:07**
